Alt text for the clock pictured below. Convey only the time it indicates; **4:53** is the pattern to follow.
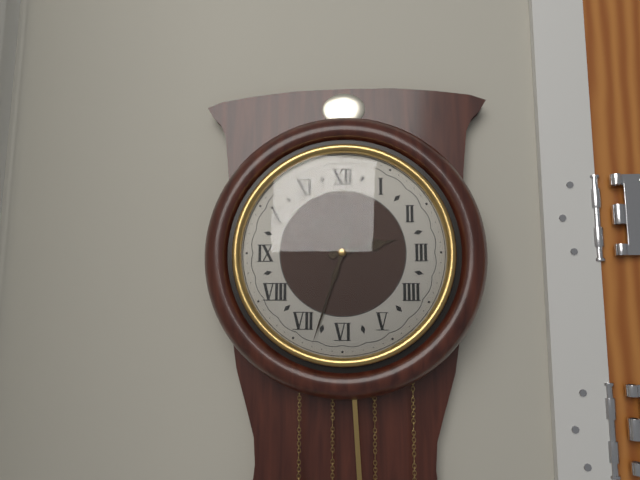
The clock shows **2:33**
